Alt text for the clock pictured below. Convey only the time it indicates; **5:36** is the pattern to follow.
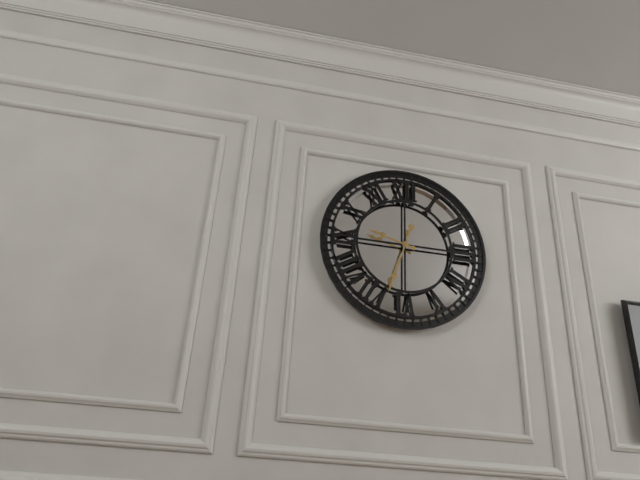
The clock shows **9:33**
